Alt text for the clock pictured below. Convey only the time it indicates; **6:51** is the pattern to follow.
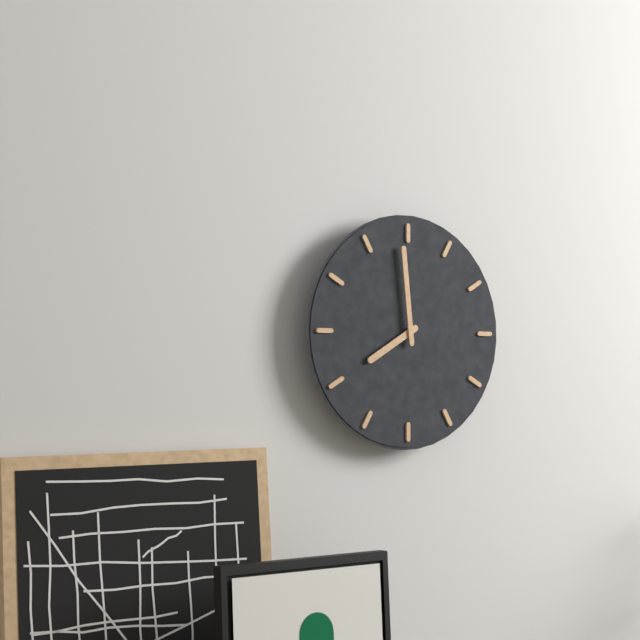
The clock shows **7:59**
